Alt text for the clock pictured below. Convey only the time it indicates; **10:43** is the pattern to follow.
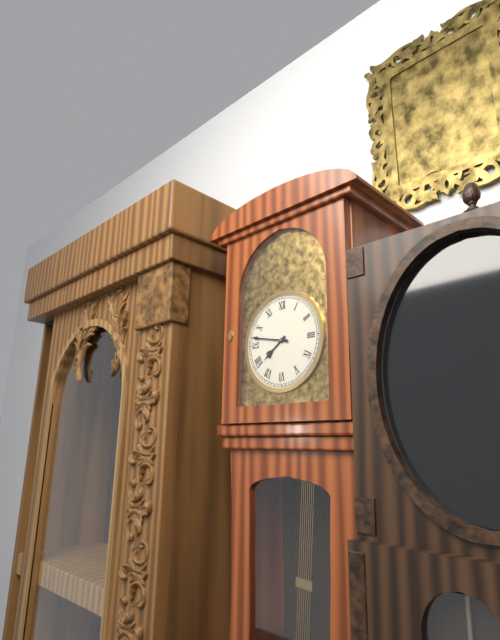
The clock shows **7:47**
